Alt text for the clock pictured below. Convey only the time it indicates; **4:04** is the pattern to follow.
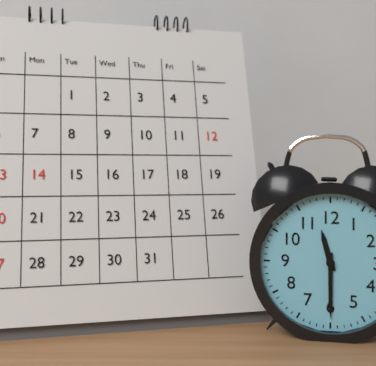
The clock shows **11:30**
